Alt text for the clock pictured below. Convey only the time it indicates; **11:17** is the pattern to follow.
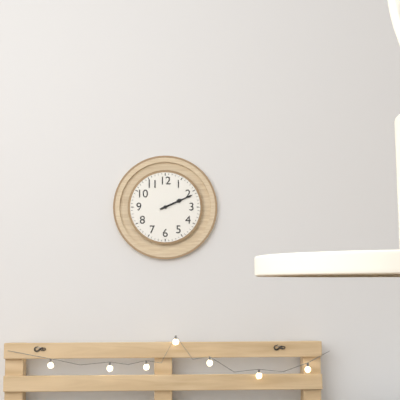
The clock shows **2:11**
